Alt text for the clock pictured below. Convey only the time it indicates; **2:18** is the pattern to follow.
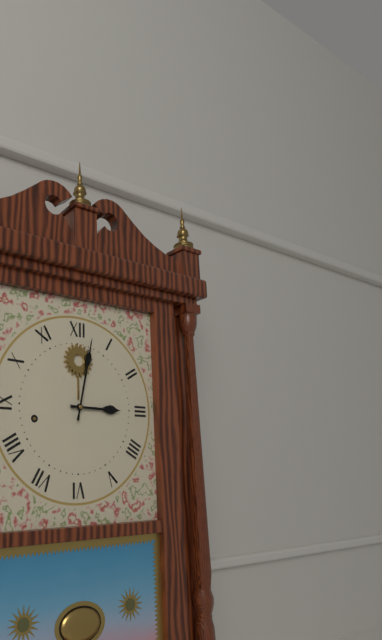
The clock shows **3:02**
